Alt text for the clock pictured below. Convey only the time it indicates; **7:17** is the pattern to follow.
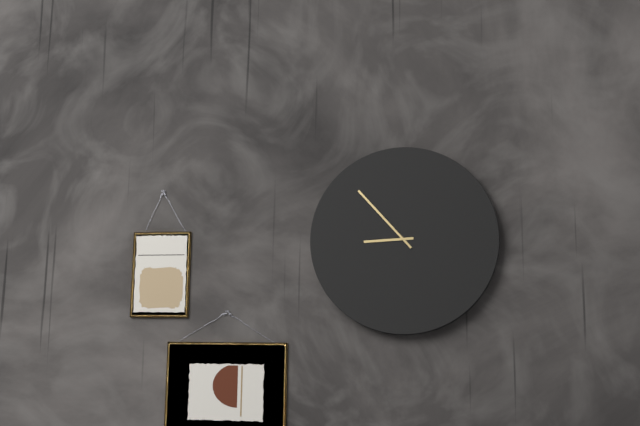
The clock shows **8:53**
